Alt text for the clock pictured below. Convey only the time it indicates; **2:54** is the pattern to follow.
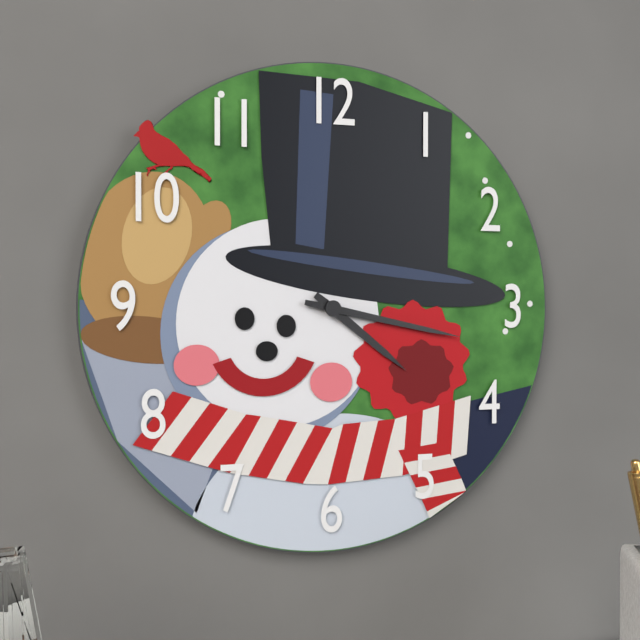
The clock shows **4:17**
